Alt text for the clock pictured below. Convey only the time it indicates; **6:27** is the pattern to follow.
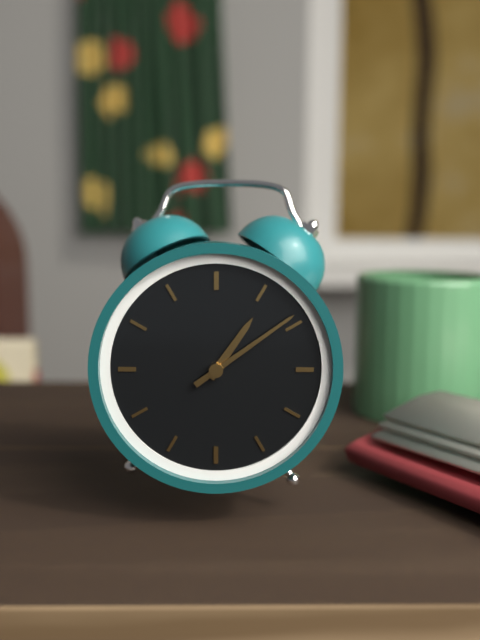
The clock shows **1:09**
